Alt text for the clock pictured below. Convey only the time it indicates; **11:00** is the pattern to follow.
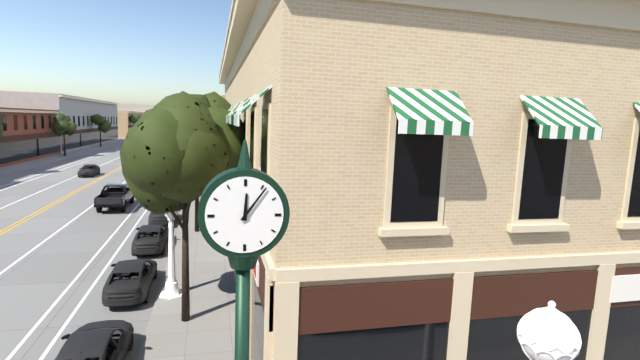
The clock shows **12:06**
